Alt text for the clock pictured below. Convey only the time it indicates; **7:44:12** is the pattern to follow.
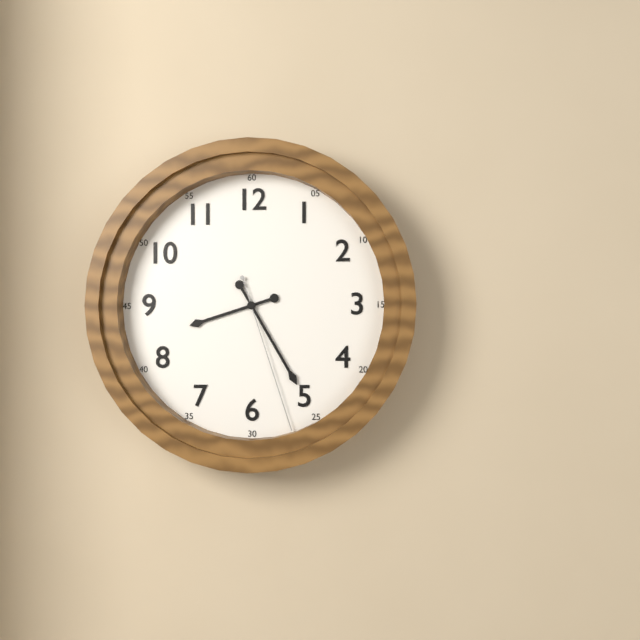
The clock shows **8:25:27**
